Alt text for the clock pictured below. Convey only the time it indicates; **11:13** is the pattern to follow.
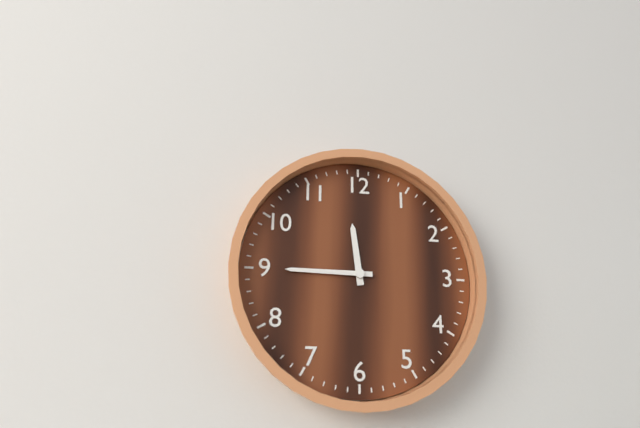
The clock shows **11:45**
